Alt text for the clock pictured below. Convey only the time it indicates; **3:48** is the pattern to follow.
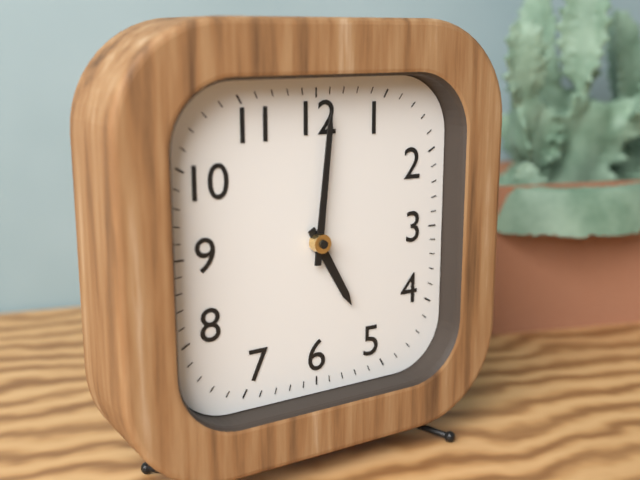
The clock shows **5:01**
